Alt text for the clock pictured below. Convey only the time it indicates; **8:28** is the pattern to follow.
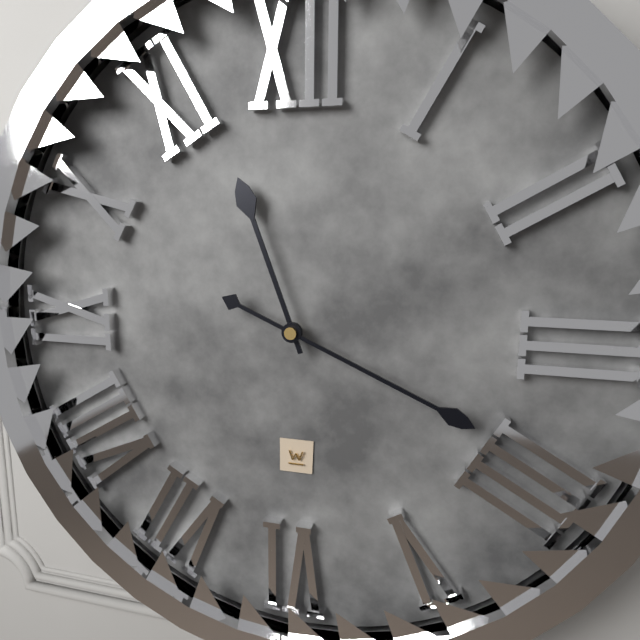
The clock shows **11:19**
